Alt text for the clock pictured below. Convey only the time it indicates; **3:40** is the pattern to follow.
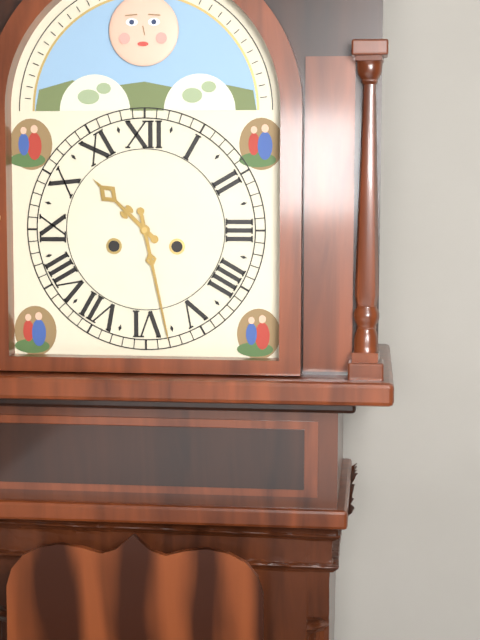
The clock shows **10:28**
